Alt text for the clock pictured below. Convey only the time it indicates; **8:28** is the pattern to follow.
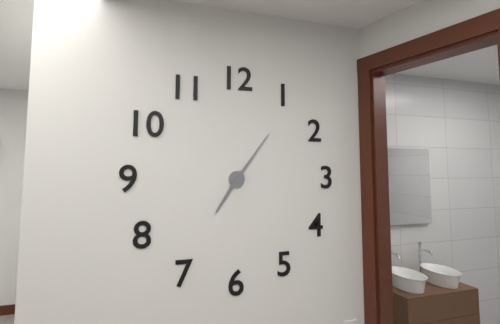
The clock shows **7:06**
